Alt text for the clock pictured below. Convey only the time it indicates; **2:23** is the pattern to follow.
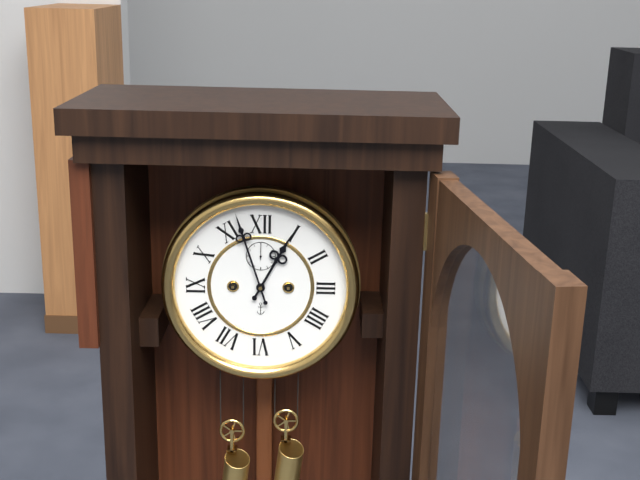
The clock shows **12:57**
